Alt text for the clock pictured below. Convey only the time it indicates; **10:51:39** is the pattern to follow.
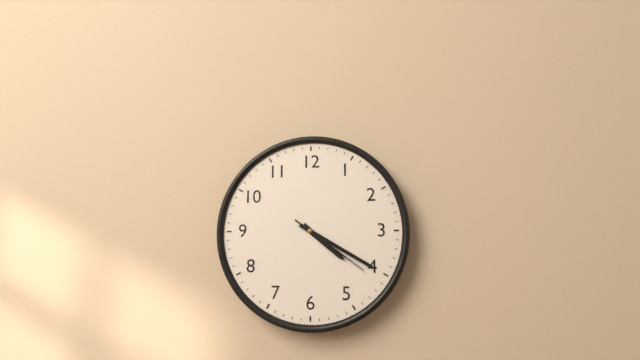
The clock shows **4:20:21**
